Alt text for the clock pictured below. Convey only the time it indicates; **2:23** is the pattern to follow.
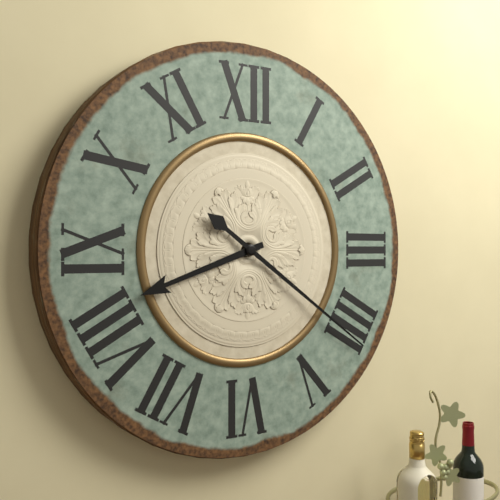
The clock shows **8:21**
